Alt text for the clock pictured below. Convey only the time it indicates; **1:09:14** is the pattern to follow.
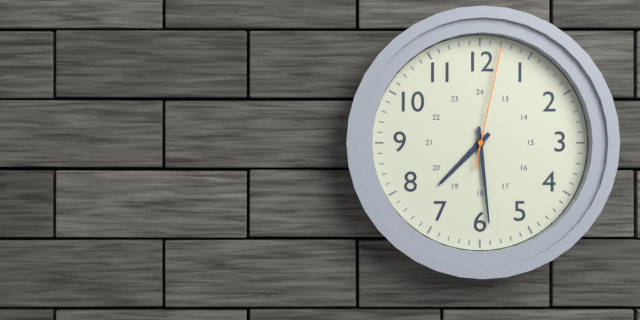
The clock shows **7:29:02**
